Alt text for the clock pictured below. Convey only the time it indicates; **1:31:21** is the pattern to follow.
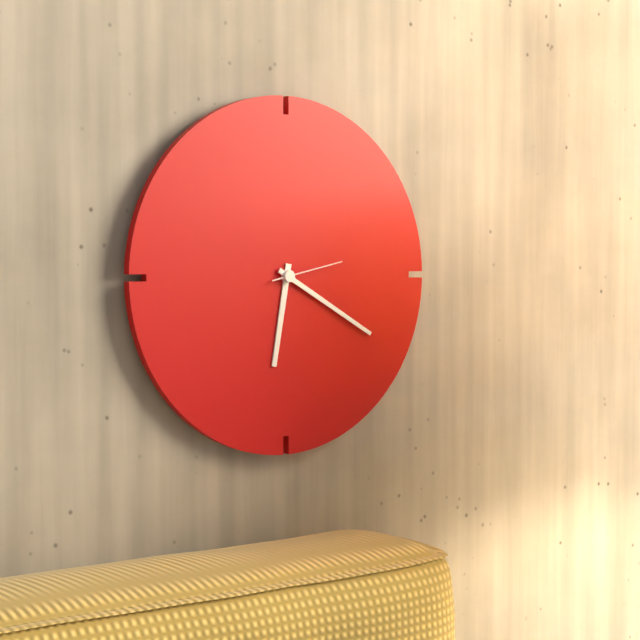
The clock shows **6:20:13**
